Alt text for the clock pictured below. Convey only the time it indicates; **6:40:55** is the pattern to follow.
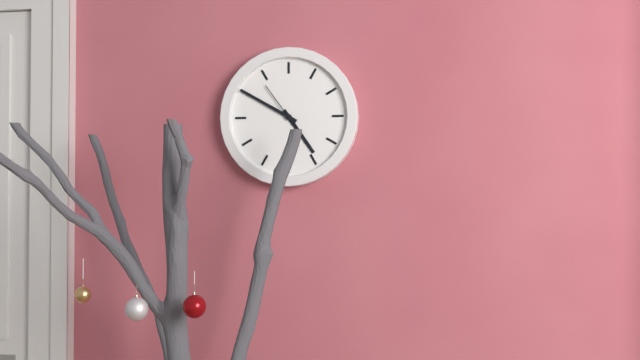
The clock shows **4:50:54**
